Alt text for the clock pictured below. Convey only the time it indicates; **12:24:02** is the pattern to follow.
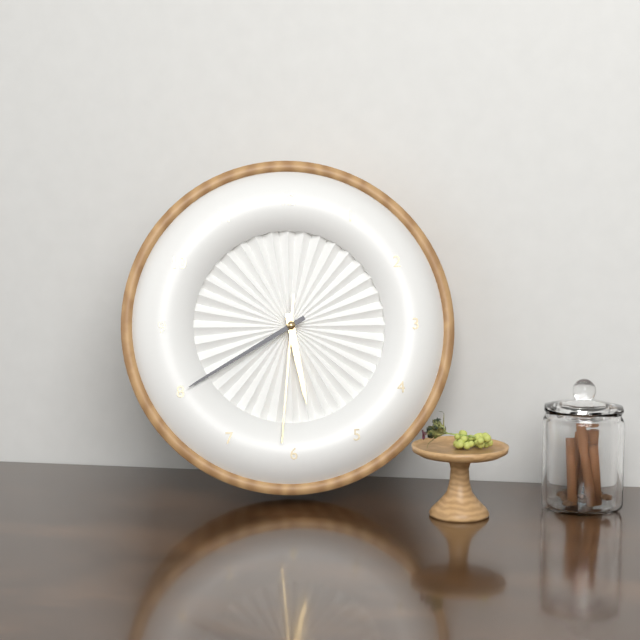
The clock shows **5:40:31**
